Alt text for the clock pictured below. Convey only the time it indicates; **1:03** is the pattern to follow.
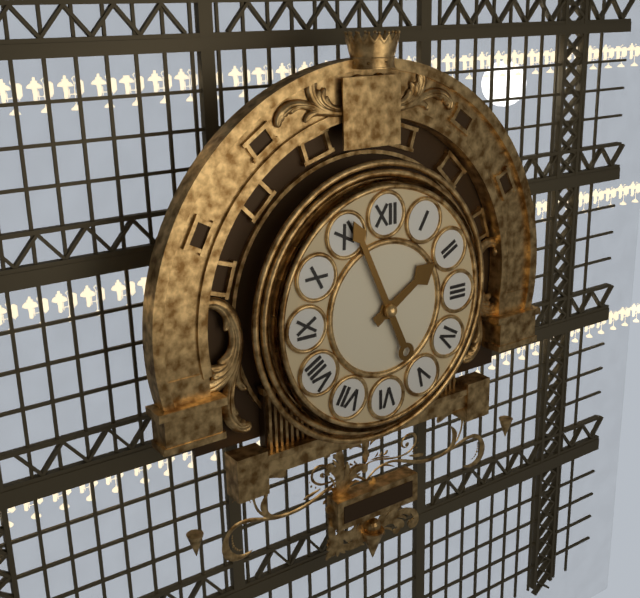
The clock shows **1:56**
